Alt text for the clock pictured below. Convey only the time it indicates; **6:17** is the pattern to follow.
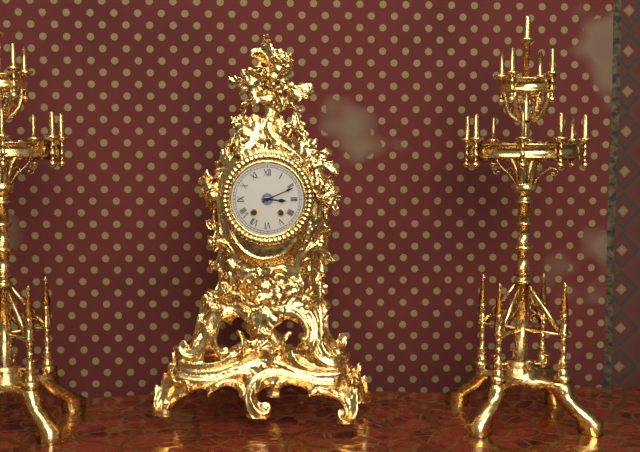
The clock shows **3:11**
